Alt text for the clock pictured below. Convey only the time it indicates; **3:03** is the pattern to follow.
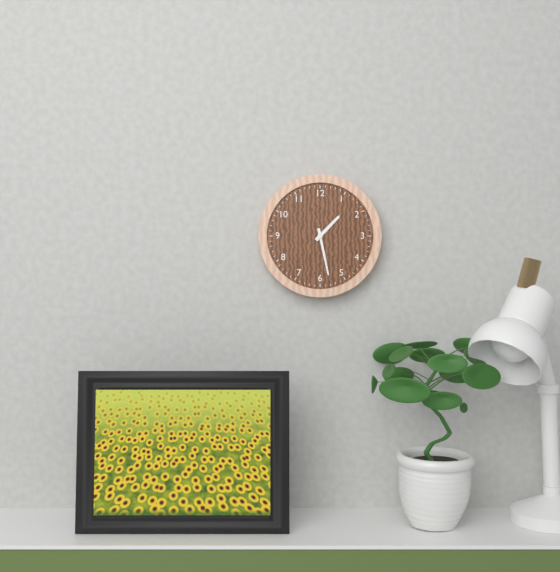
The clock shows **1:28**
